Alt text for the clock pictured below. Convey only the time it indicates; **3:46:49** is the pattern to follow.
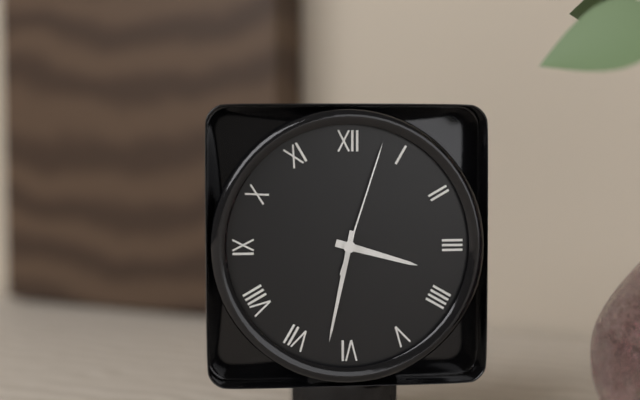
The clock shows **3:32:03**
